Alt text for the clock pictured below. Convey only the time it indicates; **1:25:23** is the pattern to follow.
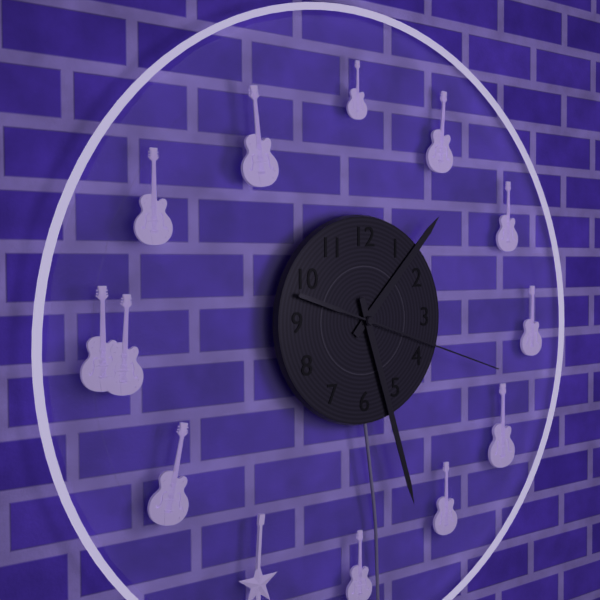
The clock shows **1:27:18**
